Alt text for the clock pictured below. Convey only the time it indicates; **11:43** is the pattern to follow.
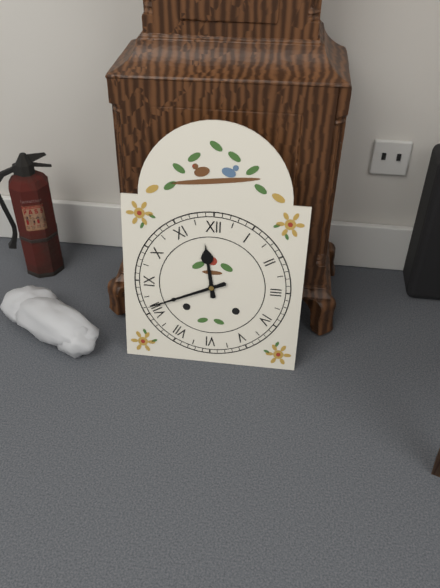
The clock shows **11:41**
